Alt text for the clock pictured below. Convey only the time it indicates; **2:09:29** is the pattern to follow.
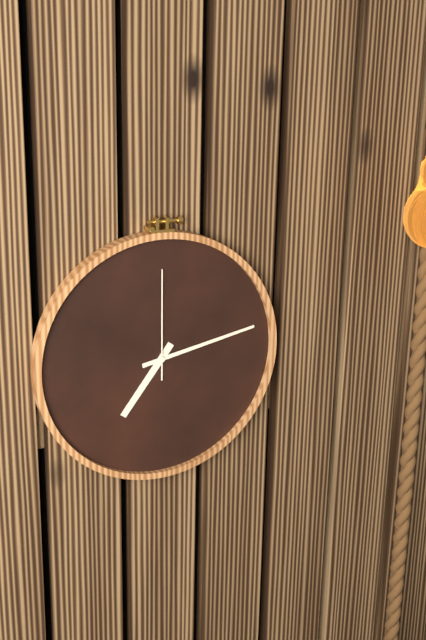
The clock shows **7:13:00**
